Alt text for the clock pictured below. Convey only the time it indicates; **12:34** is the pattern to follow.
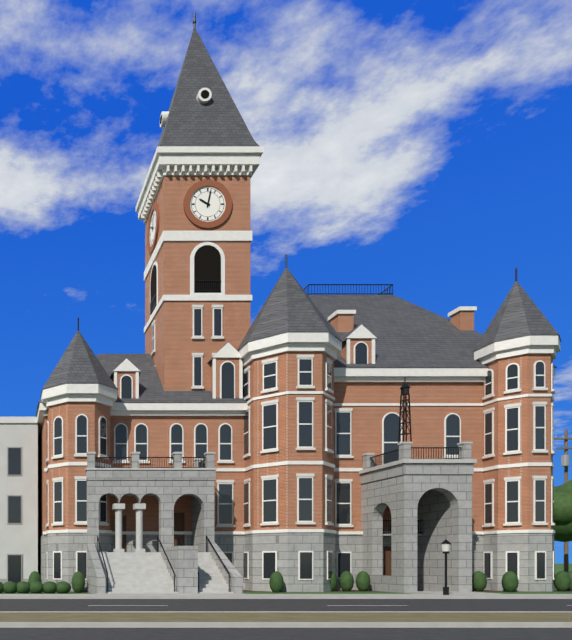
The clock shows **10:02**
